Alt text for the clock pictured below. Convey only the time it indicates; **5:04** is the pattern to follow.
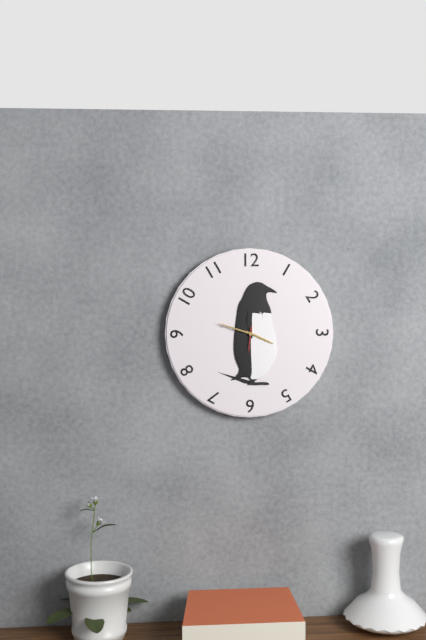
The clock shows **3:48**
